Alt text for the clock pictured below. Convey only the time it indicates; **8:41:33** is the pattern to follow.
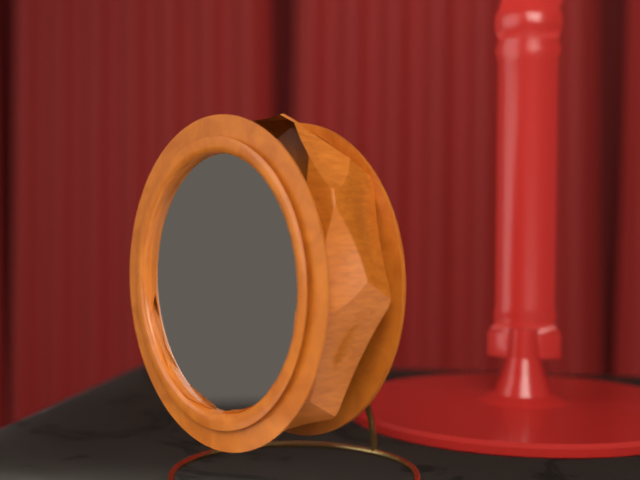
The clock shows **7:08:41**
